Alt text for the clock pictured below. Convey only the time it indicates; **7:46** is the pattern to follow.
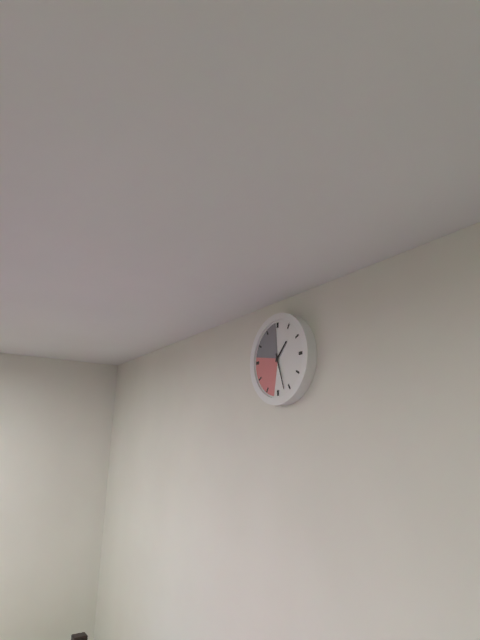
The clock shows **1:27**
